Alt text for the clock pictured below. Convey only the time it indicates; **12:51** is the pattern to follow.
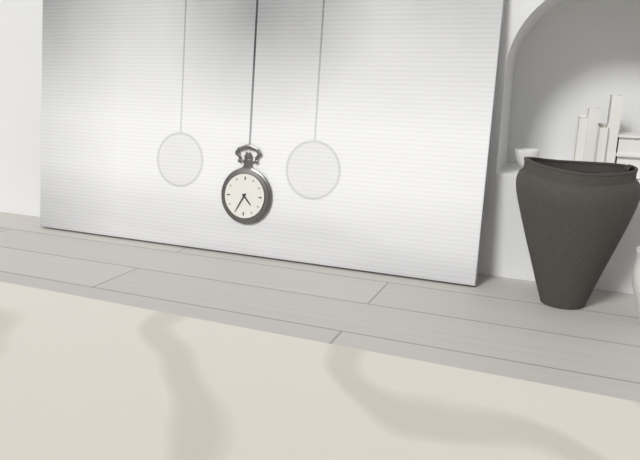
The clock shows **4:35**
